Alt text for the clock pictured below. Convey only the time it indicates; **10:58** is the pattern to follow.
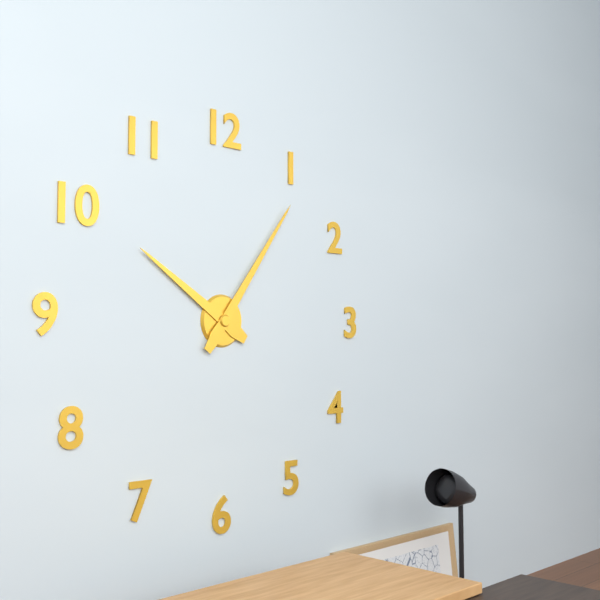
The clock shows **10:06**
